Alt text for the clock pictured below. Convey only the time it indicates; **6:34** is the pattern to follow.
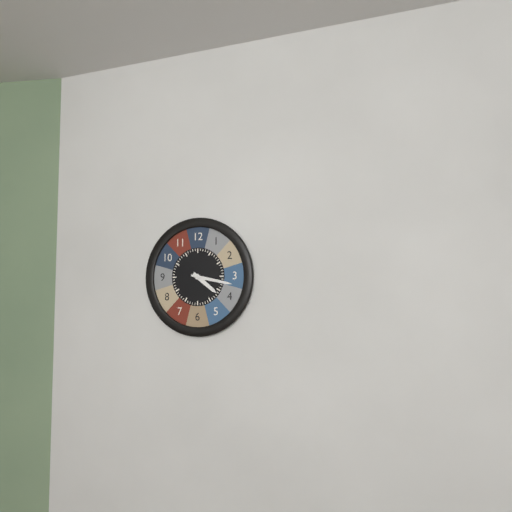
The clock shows **4:17**
